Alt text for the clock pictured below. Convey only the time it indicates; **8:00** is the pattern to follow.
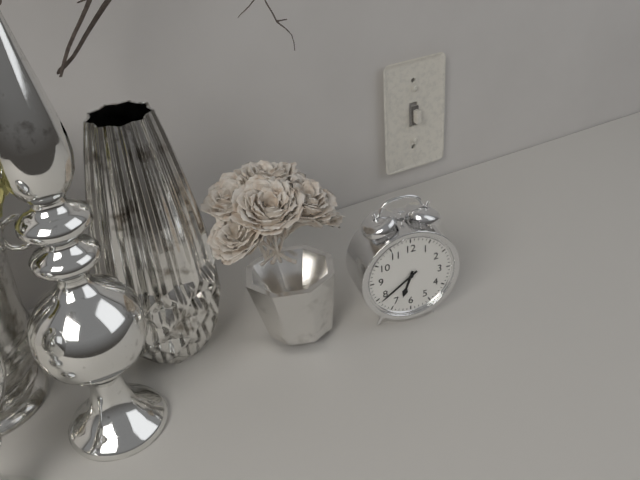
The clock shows **6:39**
